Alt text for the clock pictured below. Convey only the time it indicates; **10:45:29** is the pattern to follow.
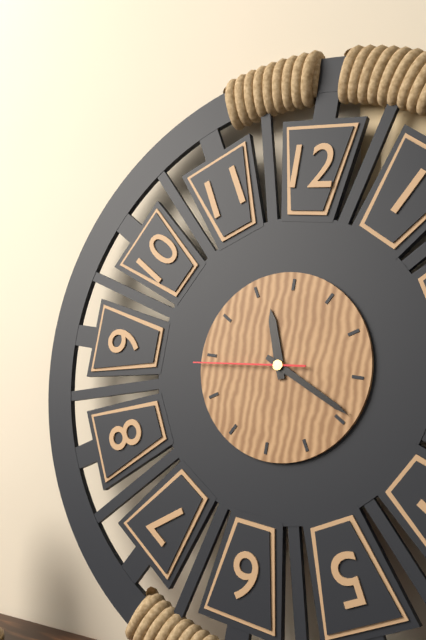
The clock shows **11:19:44**
